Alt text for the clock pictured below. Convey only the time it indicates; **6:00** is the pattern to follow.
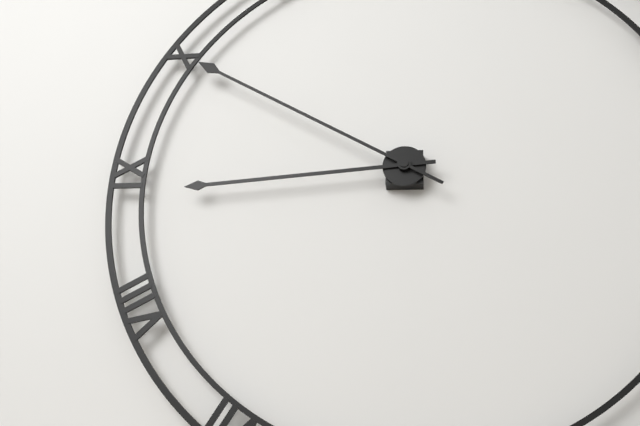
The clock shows **8:50**
